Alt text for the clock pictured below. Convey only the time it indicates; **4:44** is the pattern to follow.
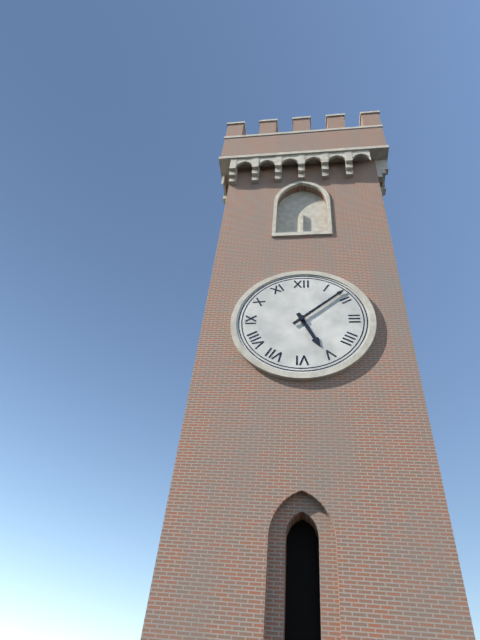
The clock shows **5:08**
